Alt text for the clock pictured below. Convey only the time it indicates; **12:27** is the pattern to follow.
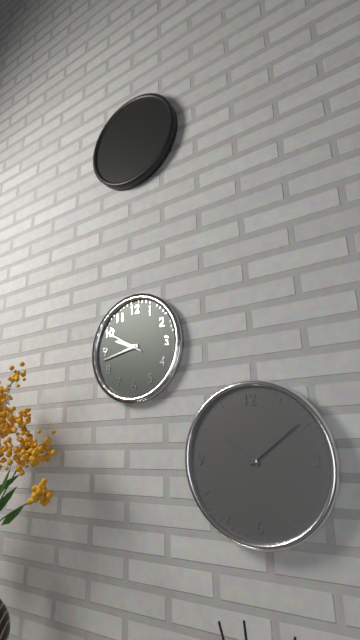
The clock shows **9:43**
